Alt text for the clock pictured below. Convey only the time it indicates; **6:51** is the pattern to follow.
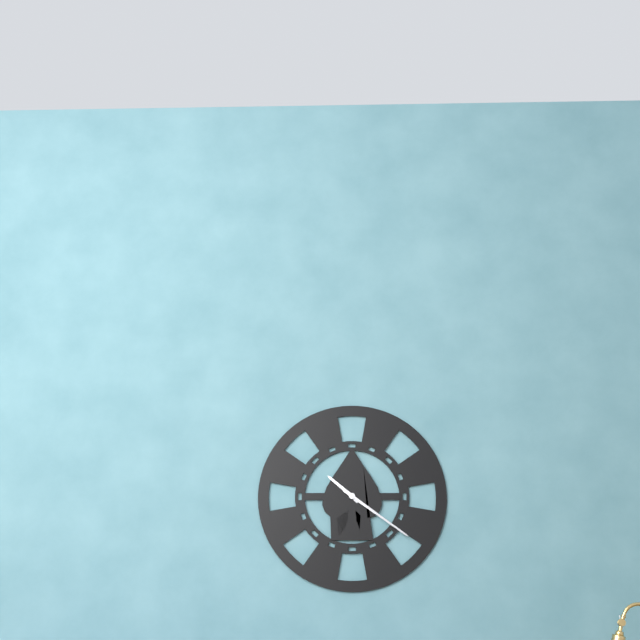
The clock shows **10:21**
